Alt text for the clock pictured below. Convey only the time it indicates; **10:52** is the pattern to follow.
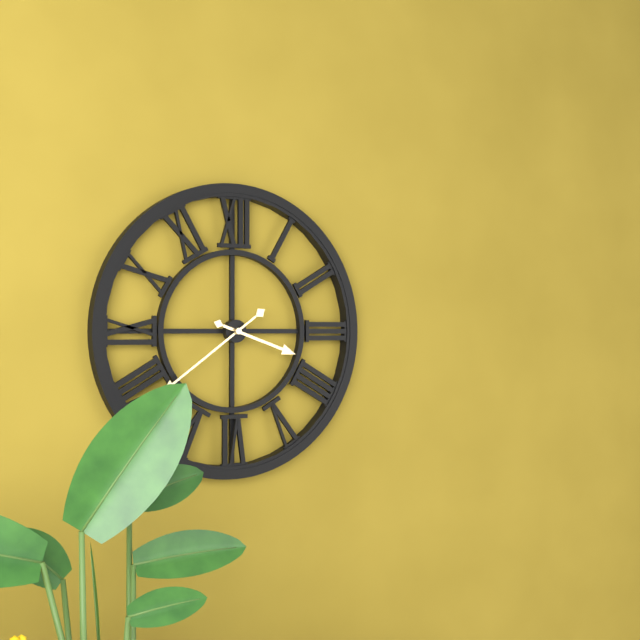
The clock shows **3:39**
